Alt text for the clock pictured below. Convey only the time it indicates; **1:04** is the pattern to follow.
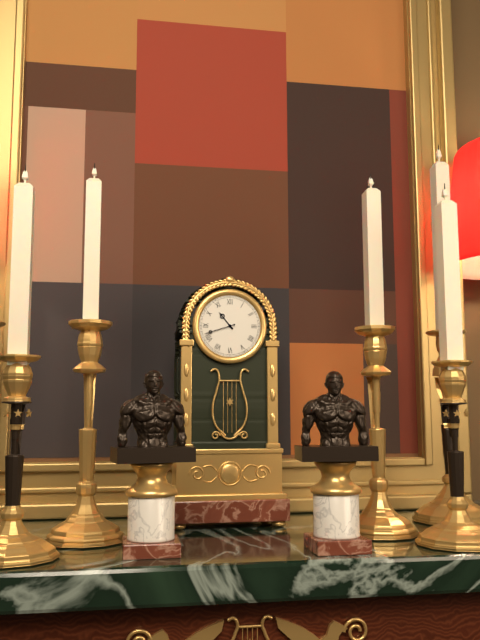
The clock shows **10:42**
